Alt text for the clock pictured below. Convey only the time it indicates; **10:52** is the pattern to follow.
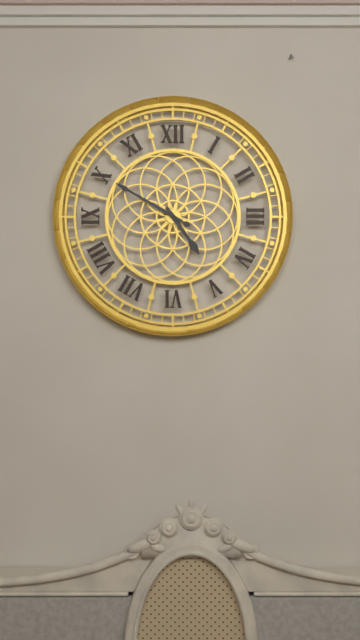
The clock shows **4:50**
